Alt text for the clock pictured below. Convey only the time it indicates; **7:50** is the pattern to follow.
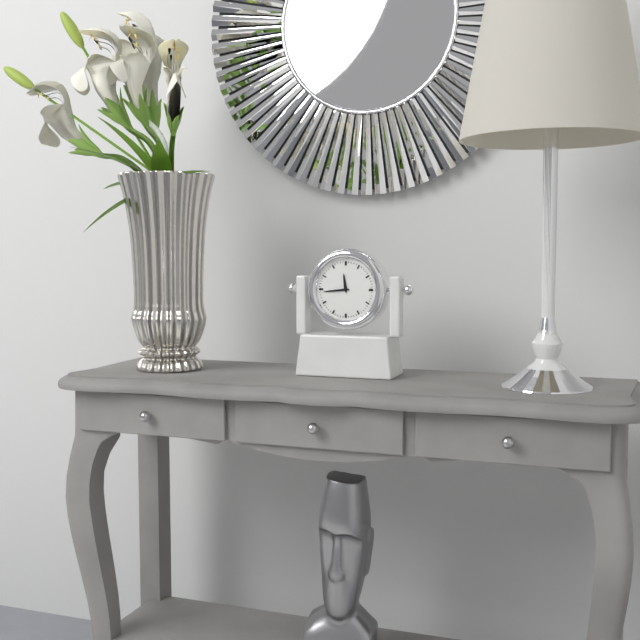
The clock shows **11:44**
